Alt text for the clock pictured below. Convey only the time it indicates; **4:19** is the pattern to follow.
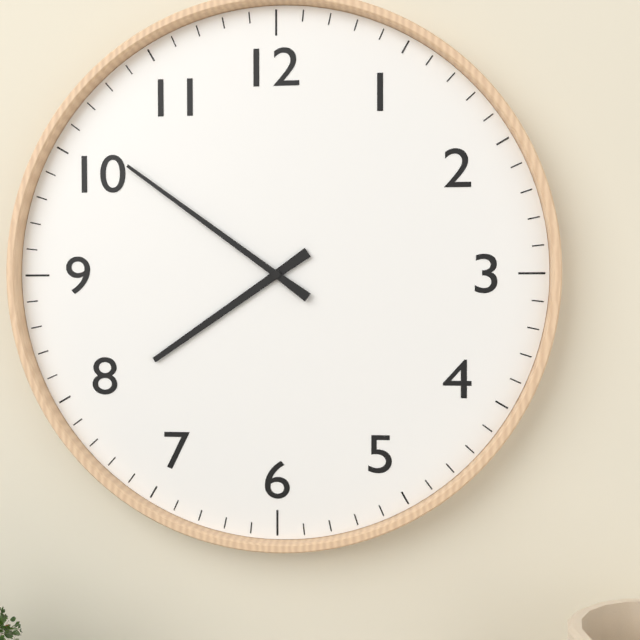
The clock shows **7:51**
